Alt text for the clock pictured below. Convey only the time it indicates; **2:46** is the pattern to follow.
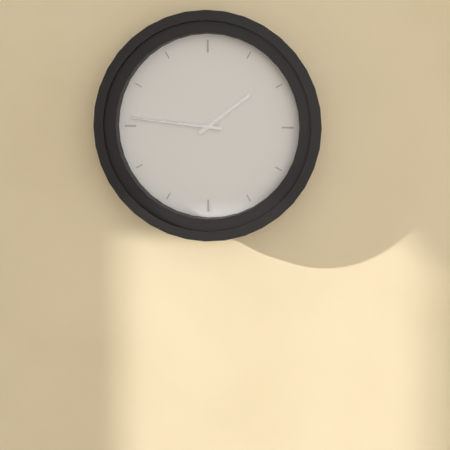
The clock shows **1:46**
